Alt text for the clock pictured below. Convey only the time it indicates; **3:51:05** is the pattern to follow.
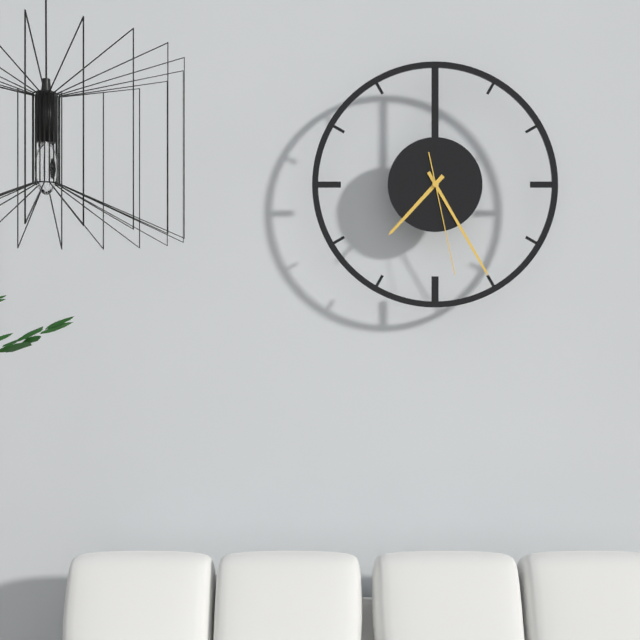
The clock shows **7:25:28**
